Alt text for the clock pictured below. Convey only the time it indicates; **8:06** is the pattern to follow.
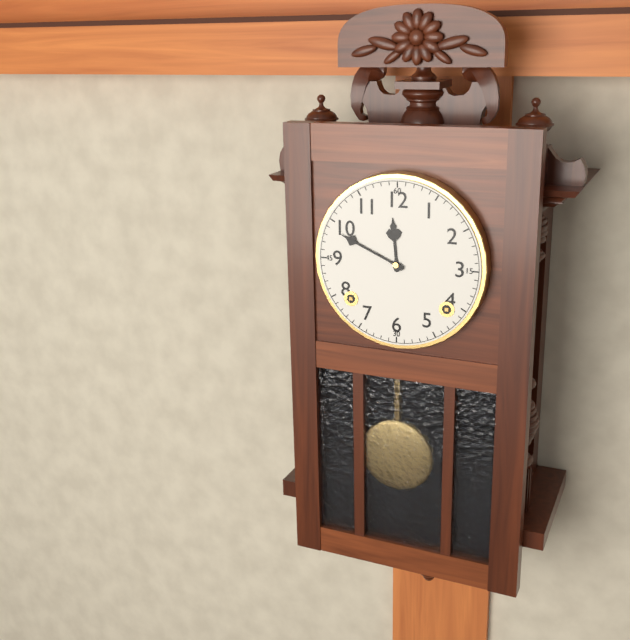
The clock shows **11:49**
